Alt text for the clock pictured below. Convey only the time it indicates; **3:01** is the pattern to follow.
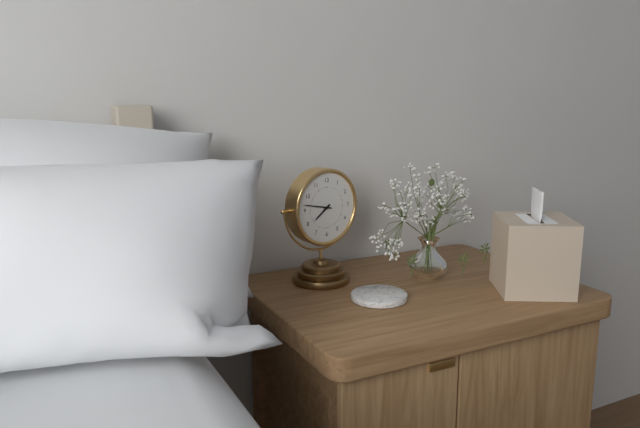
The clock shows **7:47**
